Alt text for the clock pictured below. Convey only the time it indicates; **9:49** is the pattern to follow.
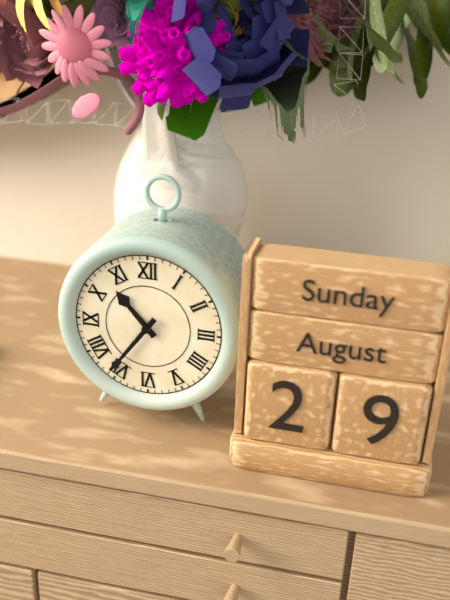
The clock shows **10:36**
